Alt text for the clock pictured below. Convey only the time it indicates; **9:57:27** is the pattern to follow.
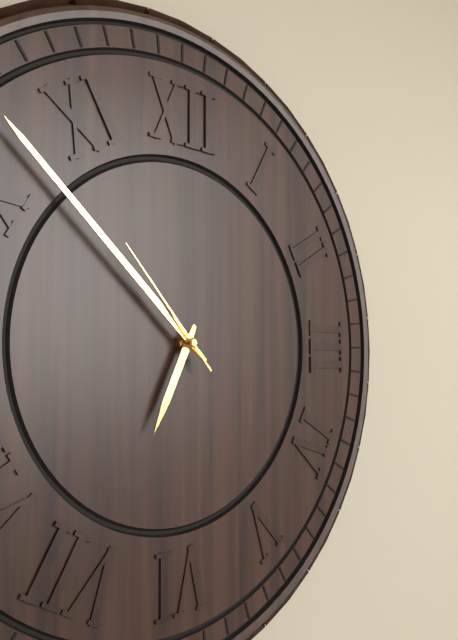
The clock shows **6:52:53**
